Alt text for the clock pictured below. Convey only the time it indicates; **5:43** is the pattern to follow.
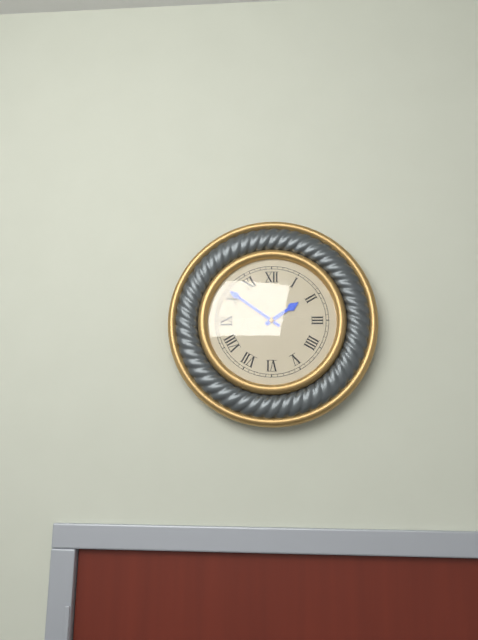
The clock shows **1:51**
